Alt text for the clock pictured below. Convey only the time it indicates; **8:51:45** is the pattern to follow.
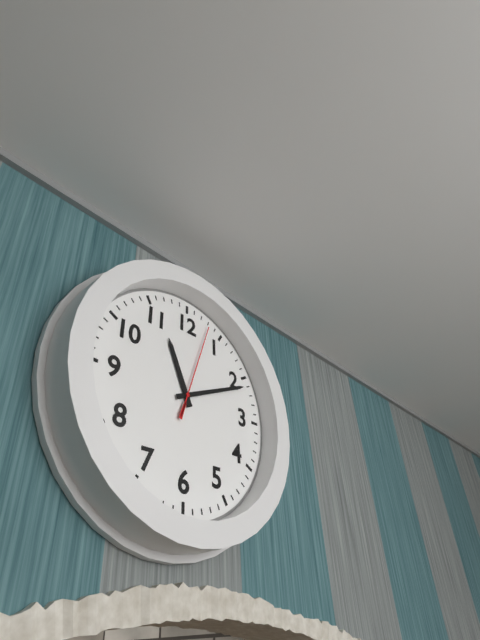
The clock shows **11:11:03**
